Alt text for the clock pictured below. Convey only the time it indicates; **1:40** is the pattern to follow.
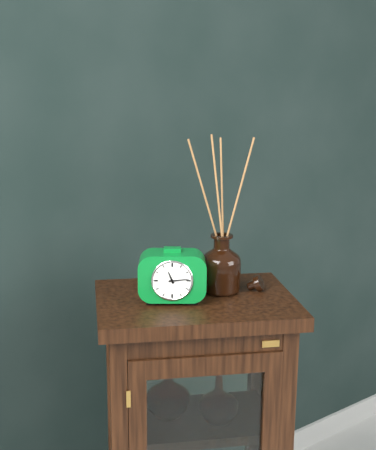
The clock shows **11:14**
